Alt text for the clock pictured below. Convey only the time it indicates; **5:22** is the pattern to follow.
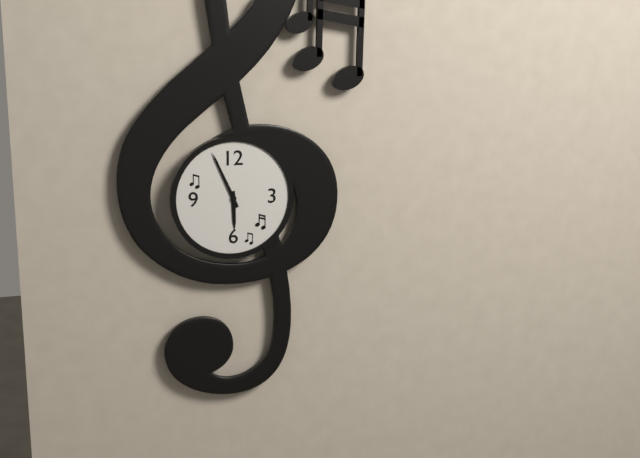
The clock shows **5:56**
